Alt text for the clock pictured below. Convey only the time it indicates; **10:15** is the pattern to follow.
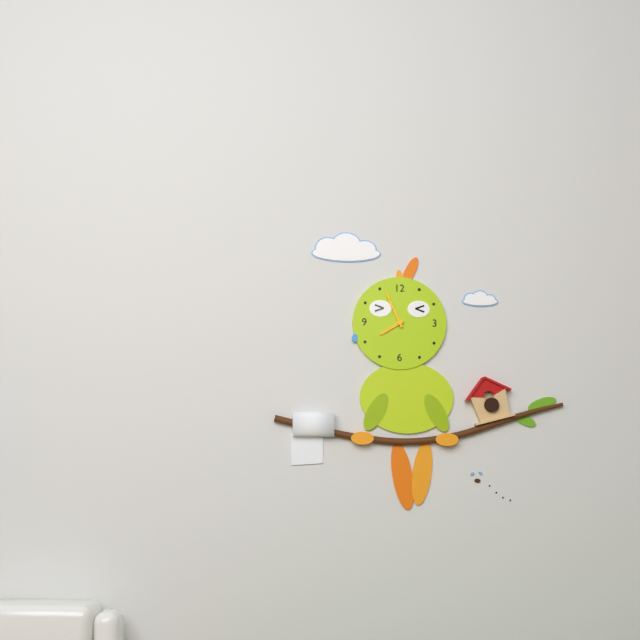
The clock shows **7:56**
